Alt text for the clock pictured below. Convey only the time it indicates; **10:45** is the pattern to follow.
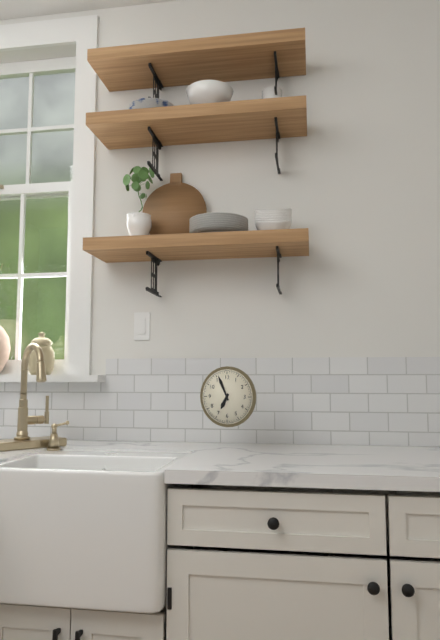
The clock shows **6:56**
